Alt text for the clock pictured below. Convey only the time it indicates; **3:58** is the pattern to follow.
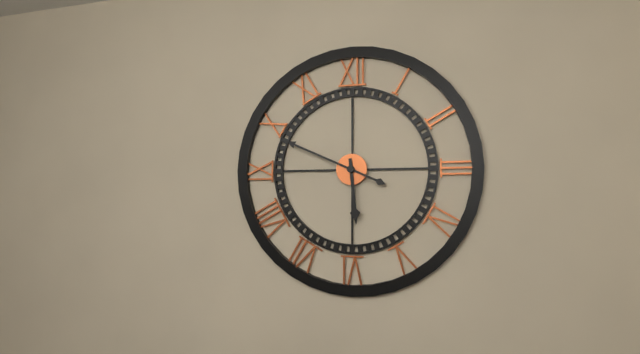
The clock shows **5:49**
